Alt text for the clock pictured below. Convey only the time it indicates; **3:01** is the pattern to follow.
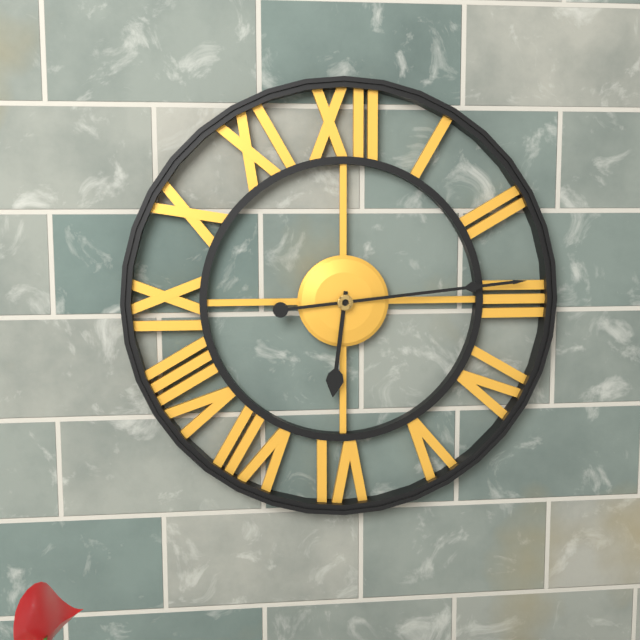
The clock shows **6:14**
